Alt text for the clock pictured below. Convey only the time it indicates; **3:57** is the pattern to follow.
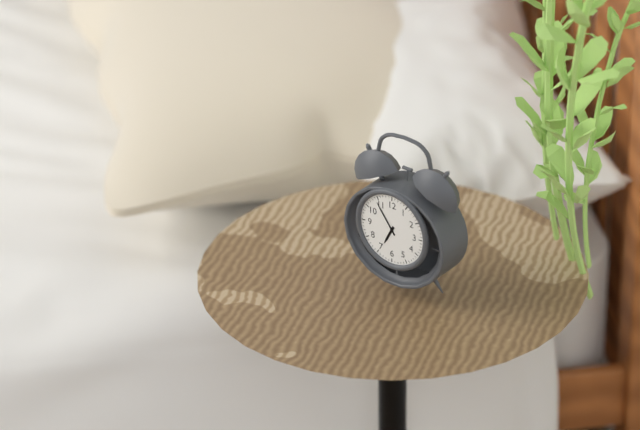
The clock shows **6:54**
